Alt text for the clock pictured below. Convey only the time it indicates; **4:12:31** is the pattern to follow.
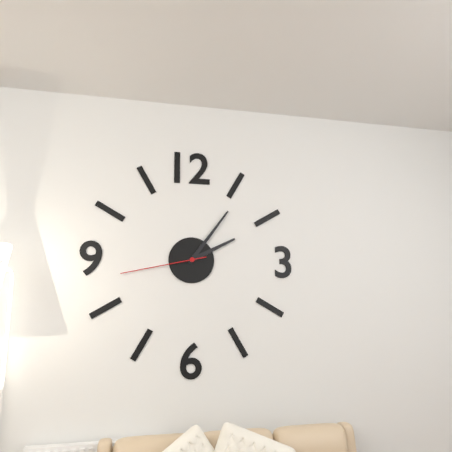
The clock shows **2:06:43**
